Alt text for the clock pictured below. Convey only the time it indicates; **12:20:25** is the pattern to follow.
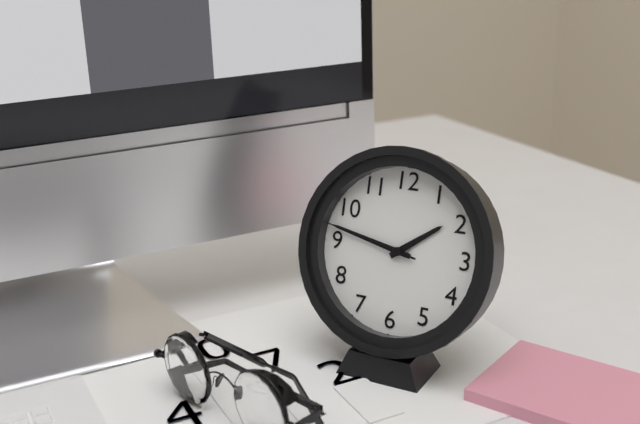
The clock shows **1:47:47**
